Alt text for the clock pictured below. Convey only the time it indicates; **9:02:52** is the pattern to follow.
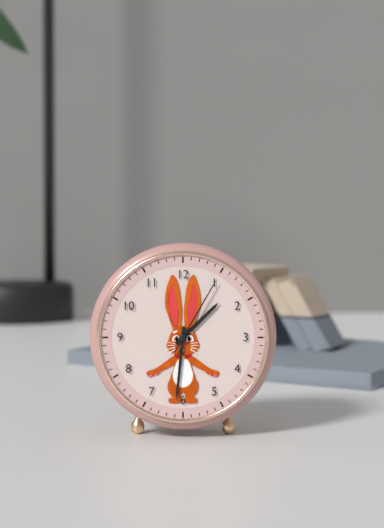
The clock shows **1:31:05**
